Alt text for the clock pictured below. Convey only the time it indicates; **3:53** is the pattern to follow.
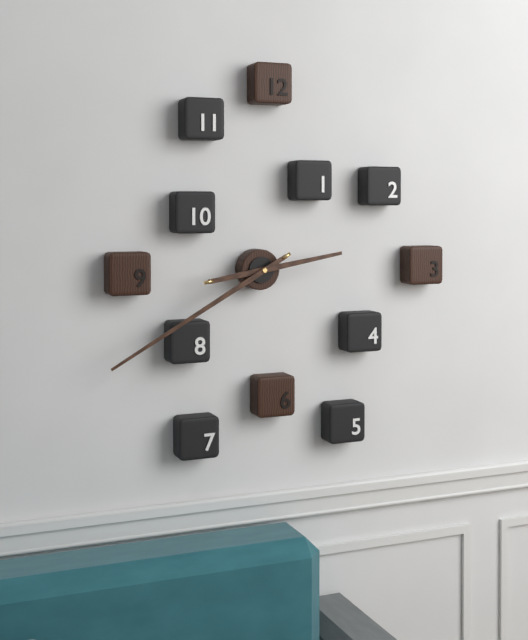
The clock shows **2:40**
